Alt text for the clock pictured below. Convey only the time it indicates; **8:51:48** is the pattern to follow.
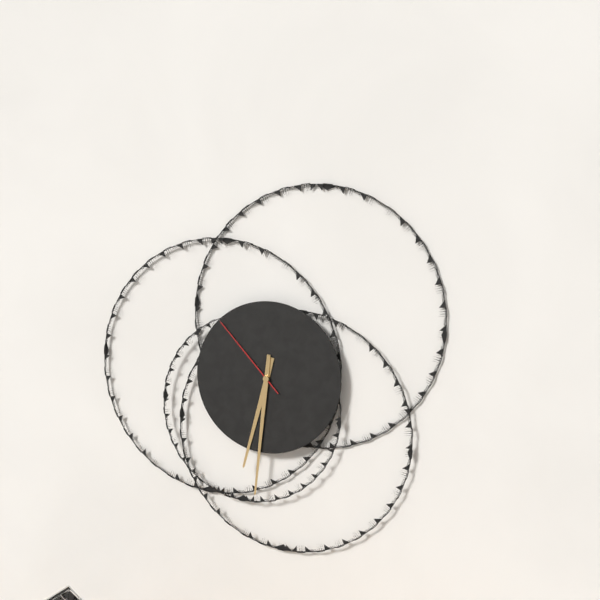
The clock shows **6:31:53**
